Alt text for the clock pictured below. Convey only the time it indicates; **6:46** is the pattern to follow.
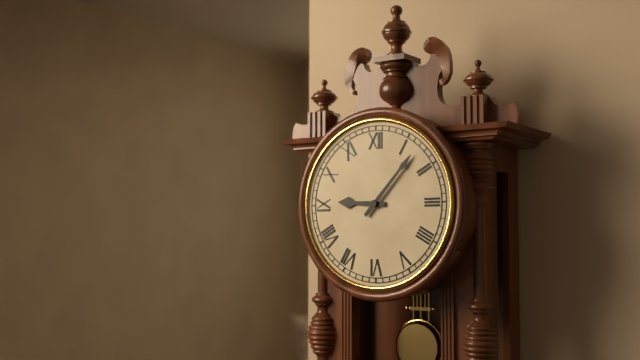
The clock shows **9:07**
